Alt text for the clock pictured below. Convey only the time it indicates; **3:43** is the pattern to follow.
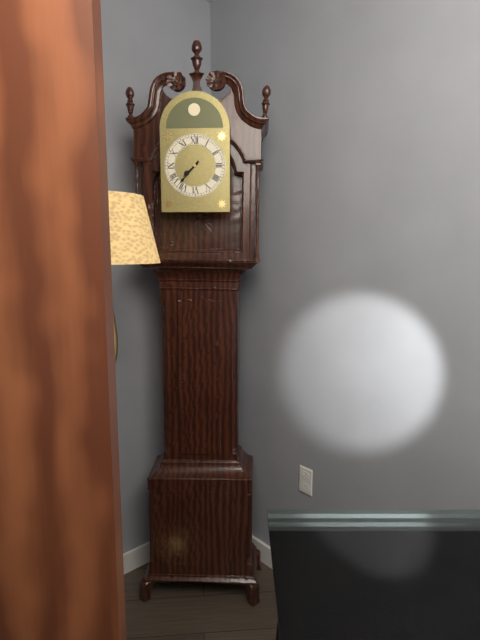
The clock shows **7:37**
